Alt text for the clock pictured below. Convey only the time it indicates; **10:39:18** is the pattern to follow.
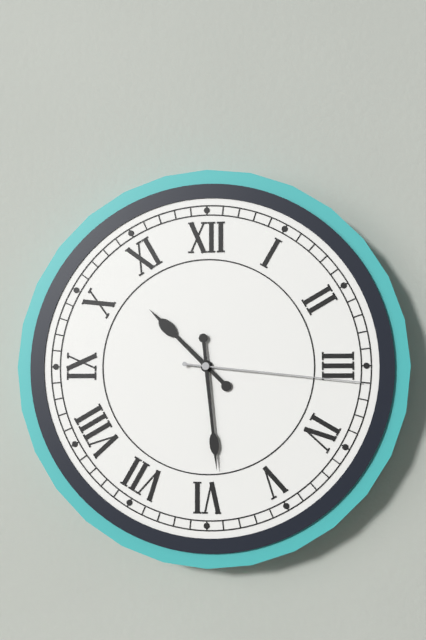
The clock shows **10:29:16**
